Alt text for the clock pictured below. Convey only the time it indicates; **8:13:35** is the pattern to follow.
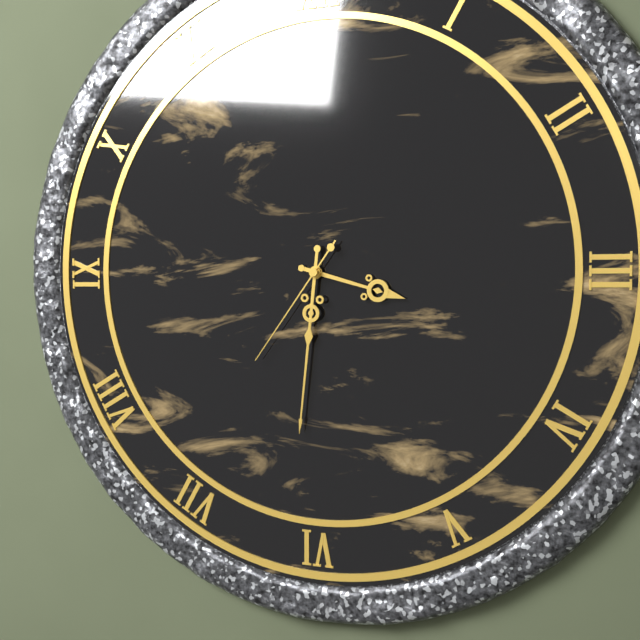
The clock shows **3:31:36**
